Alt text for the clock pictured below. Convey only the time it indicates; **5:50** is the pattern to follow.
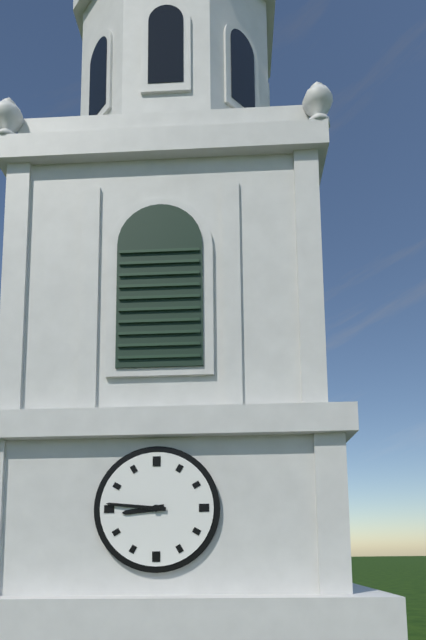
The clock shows **8:46**
